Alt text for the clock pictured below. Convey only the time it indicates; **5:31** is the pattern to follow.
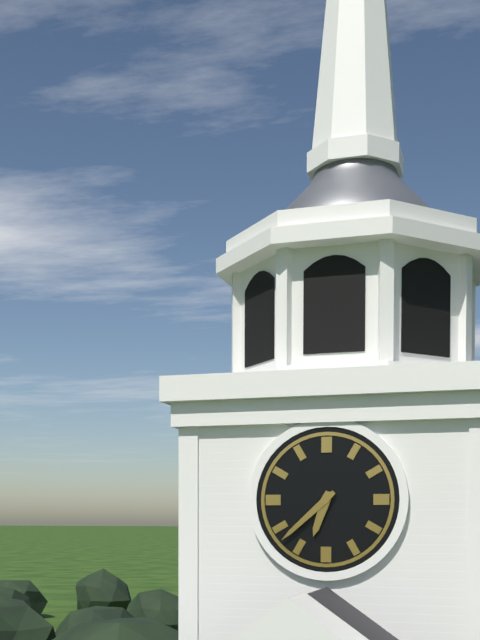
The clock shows **6:38**
